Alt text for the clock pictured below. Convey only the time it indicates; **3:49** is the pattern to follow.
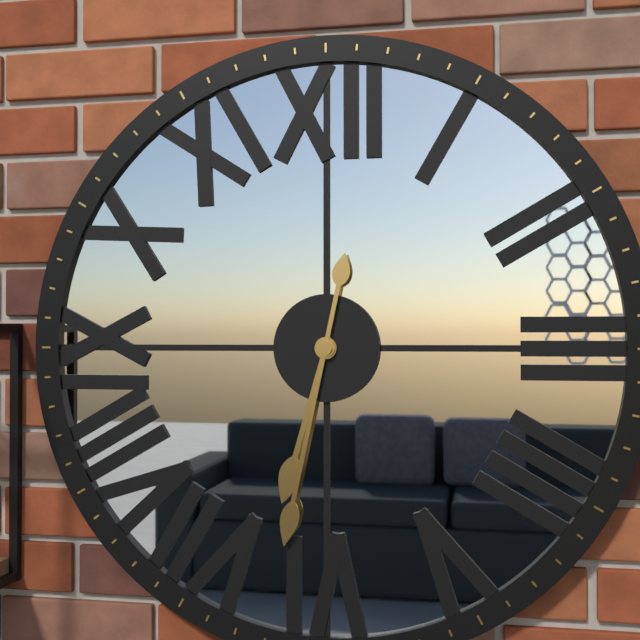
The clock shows **6:32**
